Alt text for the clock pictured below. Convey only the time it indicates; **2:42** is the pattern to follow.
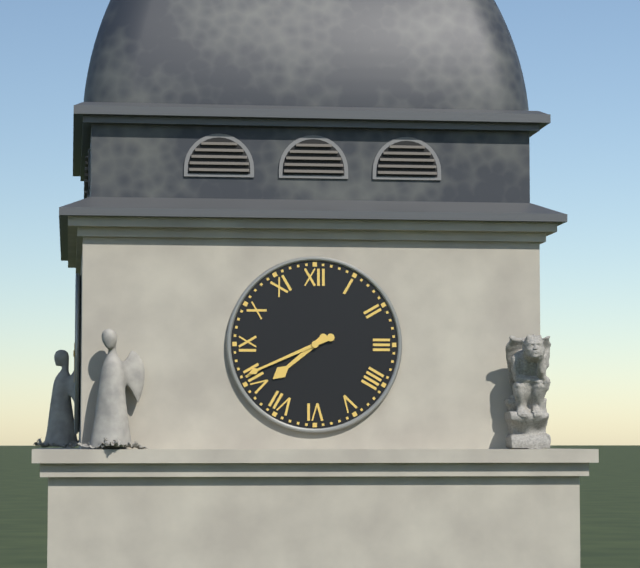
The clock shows **7:41**
